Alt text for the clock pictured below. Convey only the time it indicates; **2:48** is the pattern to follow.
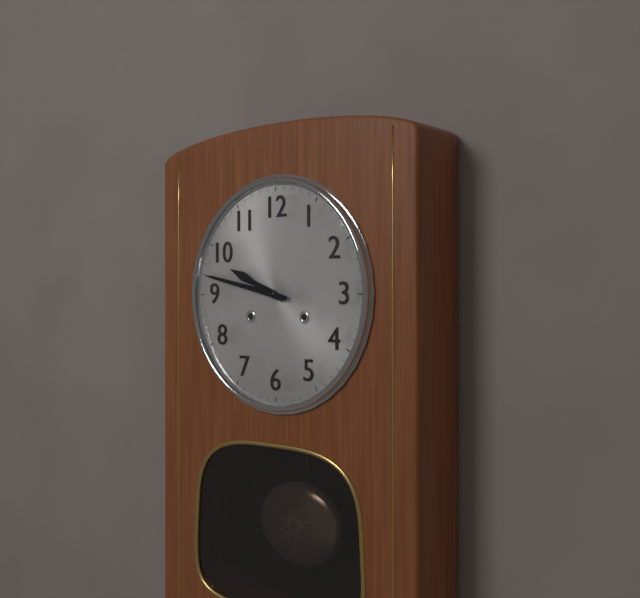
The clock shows **9:47**
